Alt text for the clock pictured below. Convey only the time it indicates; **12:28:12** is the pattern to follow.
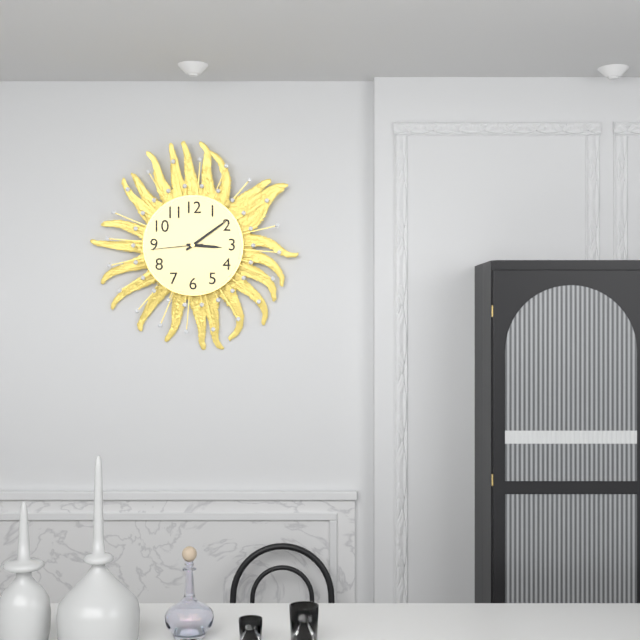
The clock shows **3:09:44**
